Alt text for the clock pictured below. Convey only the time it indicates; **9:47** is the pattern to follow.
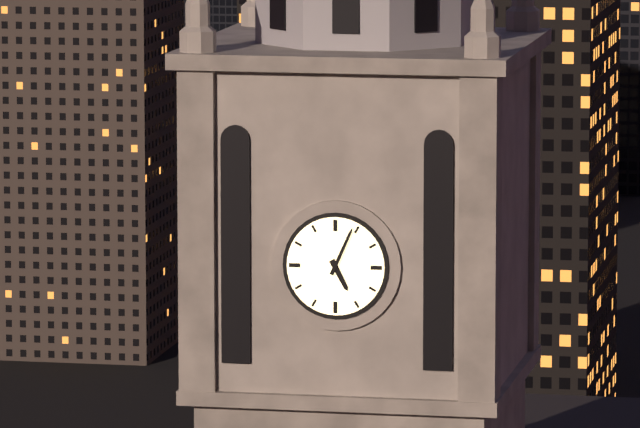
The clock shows **5:04**
